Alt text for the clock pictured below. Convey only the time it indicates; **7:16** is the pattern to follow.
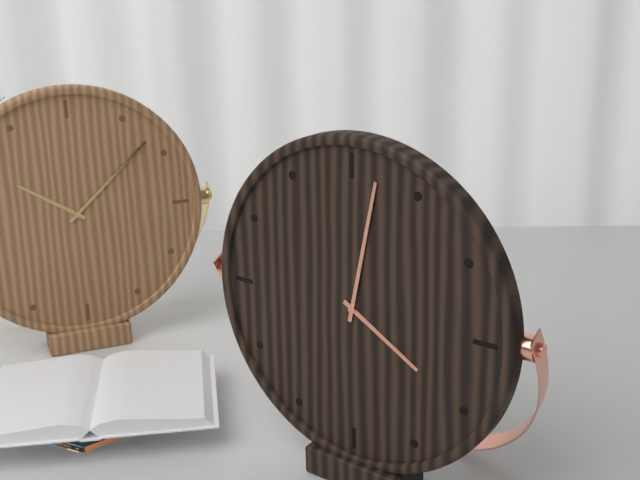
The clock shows **4:02**
